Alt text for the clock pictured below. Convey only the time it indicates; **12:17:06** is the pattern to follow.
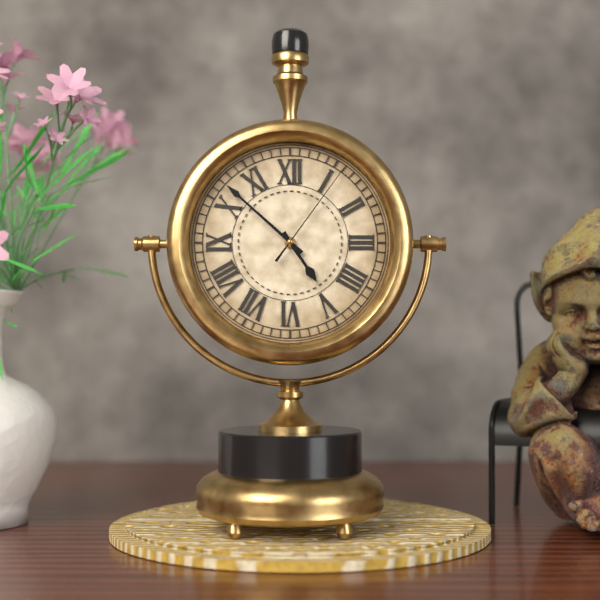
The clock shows **4:52:06**
